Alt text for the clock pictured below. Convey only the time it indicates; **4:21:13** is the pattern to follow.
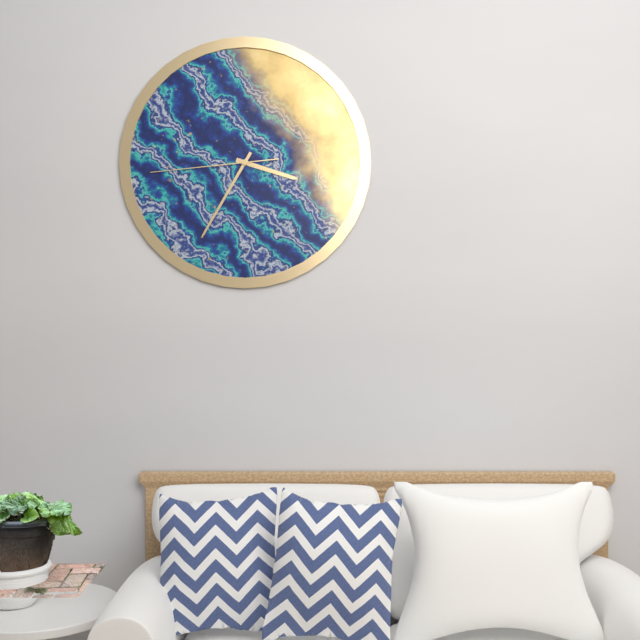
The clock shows **3:35:44**
